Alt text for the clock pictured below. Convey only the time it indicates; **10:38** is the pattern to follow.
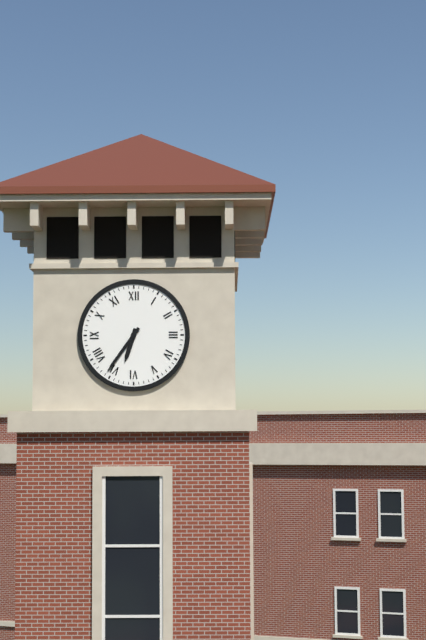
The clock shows **6:36**
